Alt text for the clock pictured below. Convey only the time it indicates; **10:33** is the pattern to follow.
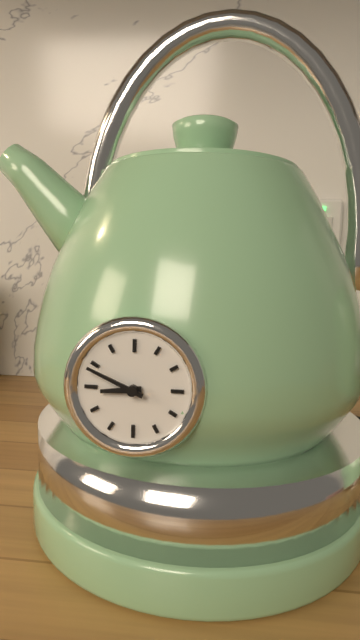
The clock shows **8:49**
